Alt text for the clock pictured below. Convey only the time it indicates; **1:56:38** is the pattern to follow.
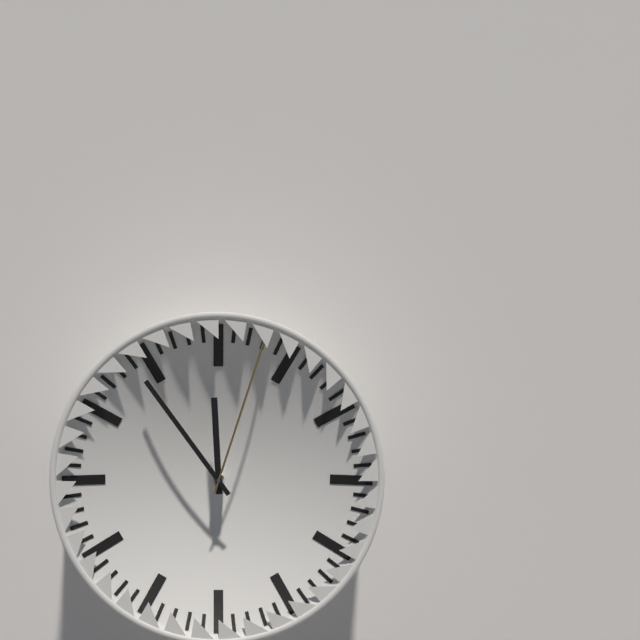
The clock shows **11:54:03**
